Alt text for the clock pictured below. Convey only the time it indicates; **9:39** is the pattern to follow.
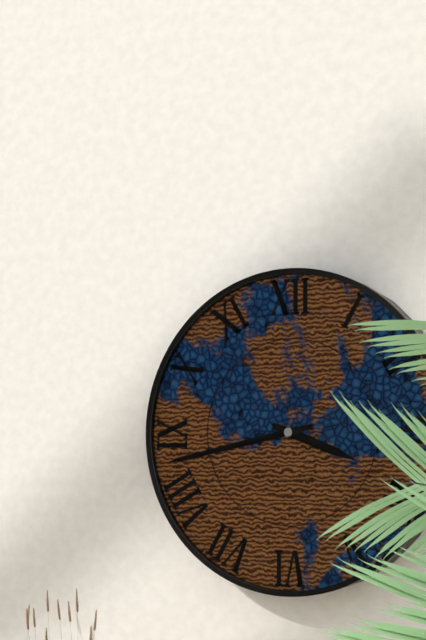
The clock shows **3:43**
